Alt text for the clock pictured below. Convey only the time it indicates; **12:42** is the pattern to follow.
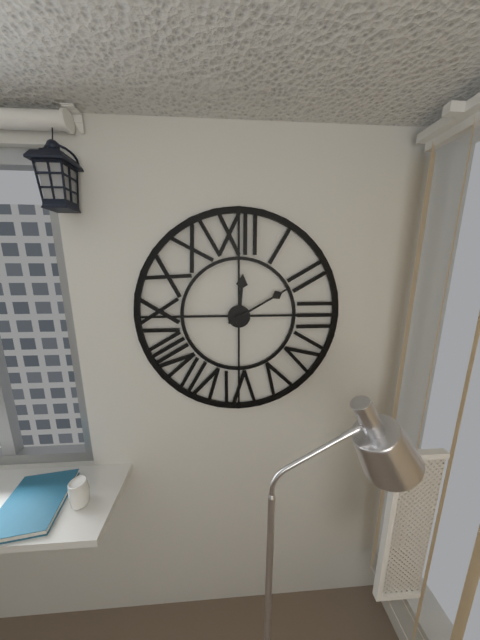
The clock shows **12:10**
